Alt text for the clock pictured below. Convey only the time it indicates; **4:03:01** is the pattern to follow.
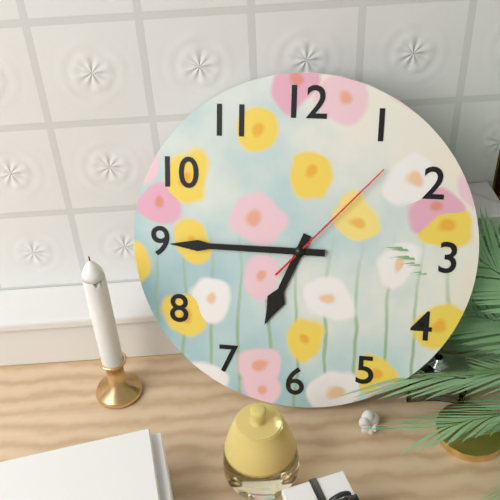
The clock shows **6:45:07**
